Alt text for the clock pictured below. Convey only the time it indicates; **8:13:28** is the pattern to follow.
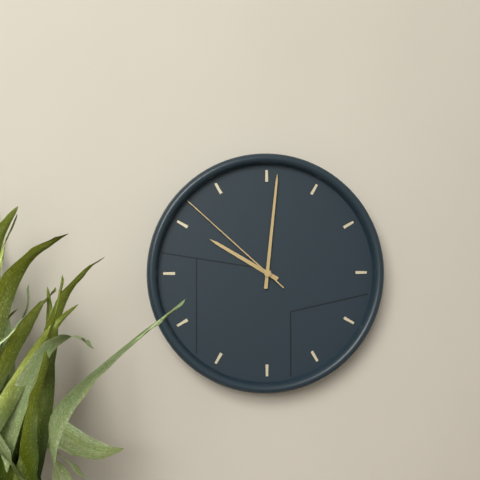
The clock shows **10:01:52**
